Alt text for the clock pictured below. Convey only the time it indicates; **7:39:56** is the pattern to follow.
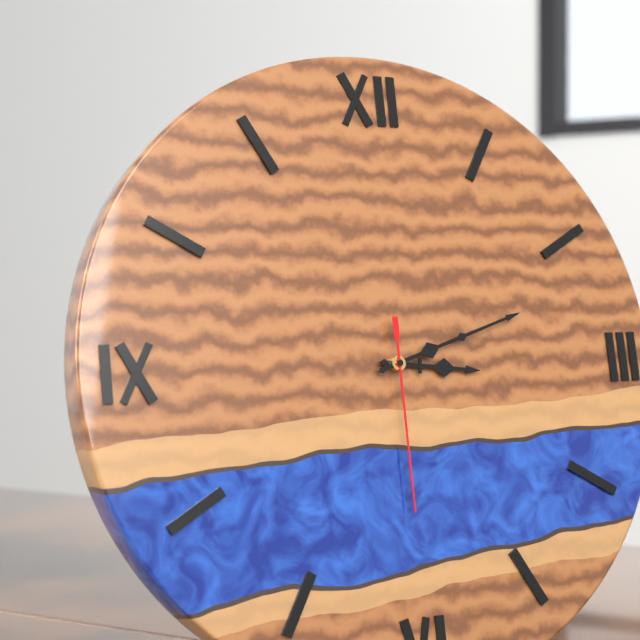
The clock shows **3:12:30**
